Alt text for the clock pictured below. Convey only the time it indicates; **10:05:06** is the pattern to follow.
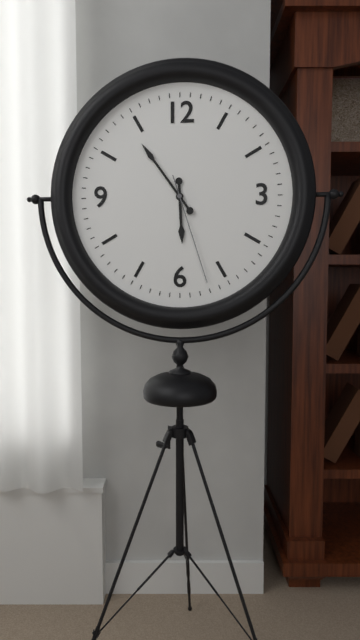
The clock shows **5:54:27**
